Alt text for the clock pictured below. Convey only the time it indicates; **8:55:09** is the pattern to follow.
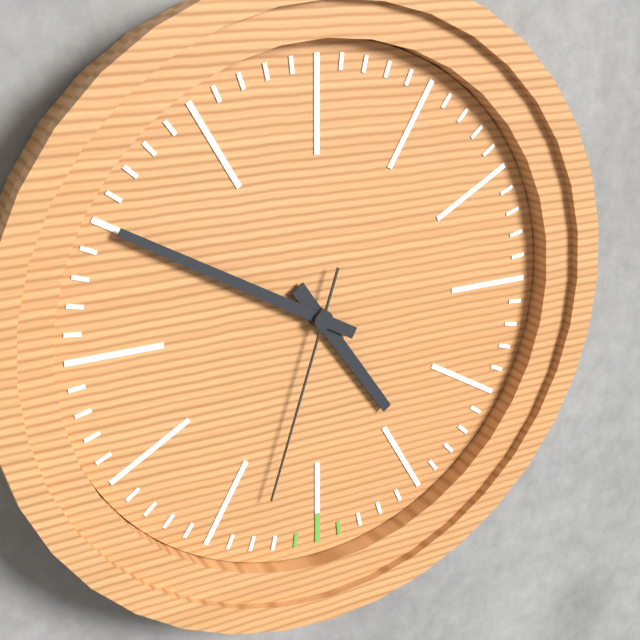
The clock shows **4:50:33**
